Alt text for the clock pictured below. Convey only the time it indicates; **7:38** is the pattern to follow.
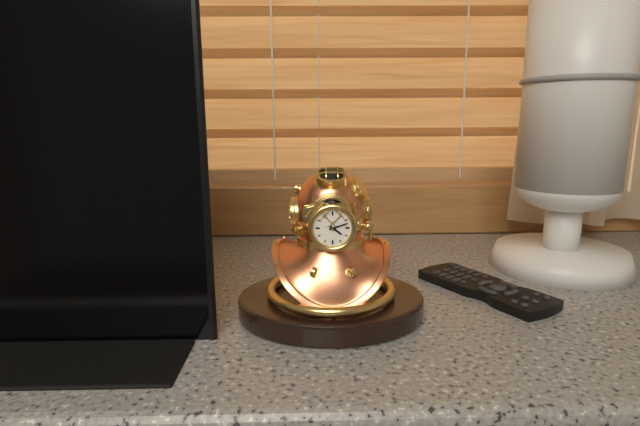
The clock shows **4:12**
